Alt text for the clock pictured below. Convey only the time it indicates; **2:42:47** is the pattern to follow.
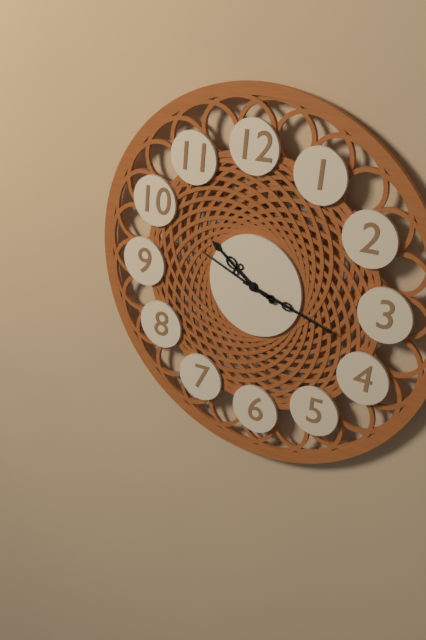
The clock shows **10:18:49**
